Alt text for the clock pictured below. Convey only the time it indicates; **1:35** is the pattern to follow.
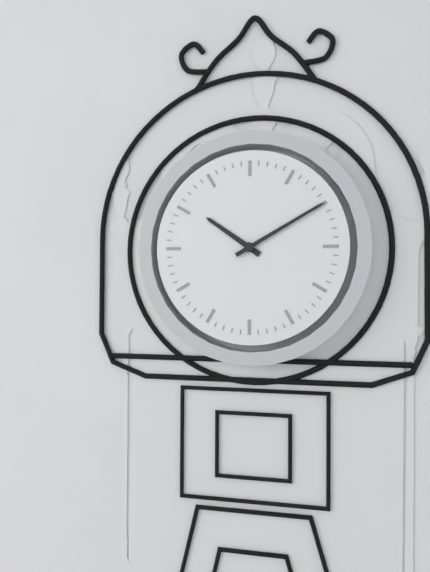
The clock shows **10:10**
